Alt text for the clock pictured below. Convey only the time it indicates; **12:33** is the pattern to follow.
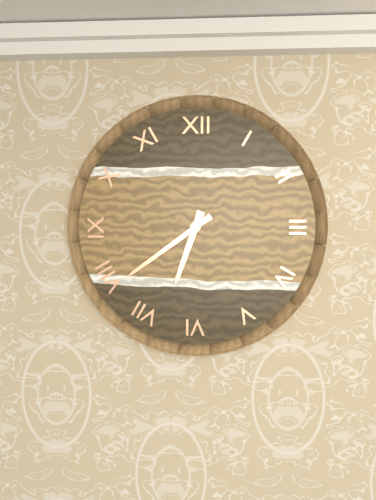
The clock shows **6:39**
